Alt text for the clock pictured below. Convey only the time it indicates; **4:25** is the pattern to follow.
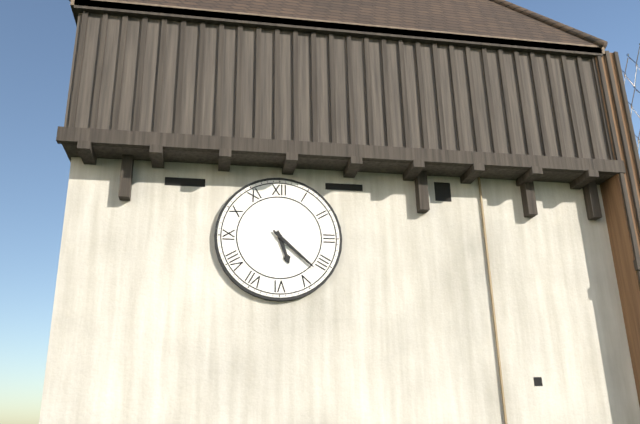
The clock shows **5:22**
